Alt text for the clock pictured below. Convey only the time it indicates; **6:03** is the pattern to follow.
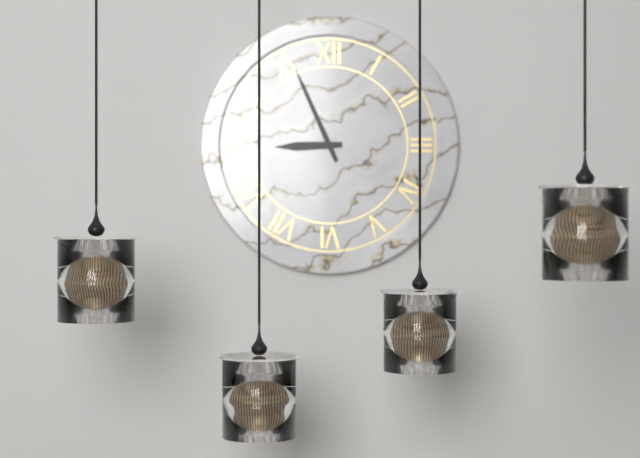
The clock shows **8:56**
